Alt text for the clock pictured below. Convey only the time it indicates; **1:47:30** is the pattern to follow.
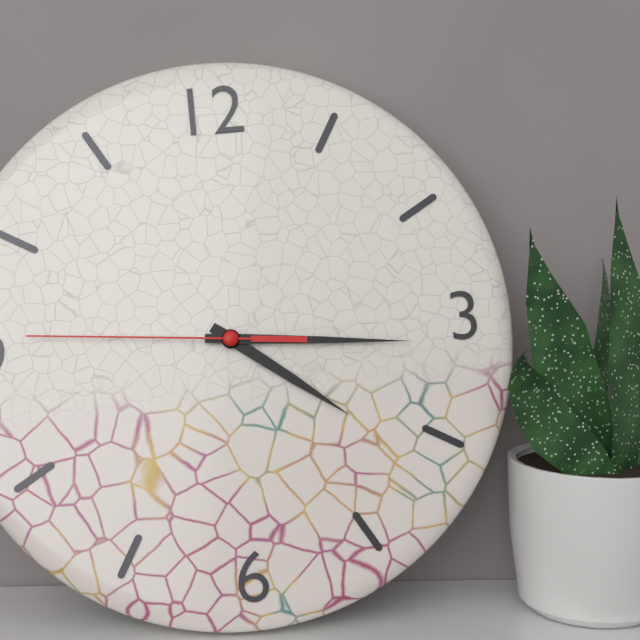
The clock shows **4:16:46**
